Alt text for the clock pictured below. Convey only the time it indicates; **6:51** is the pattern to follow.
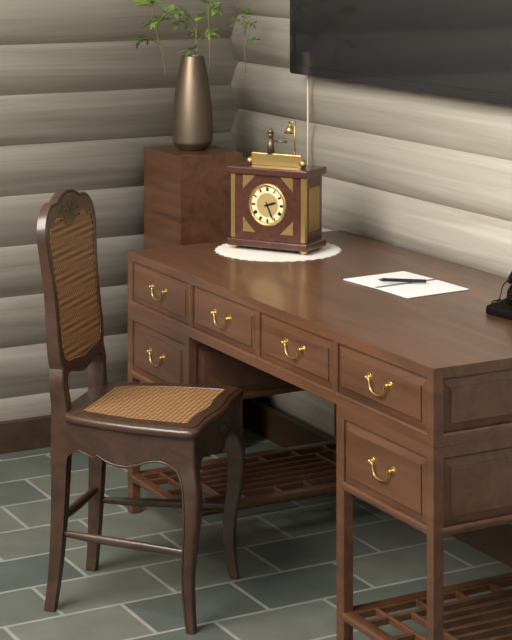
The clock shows **2:26**
